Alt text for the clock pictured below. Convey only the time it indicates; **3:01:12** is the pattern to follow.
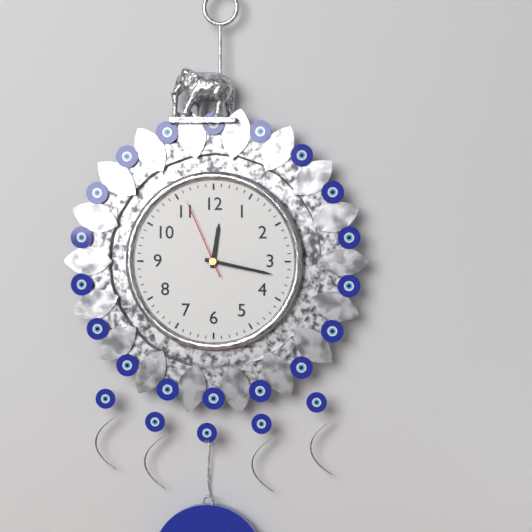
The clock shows **12:17:56**
